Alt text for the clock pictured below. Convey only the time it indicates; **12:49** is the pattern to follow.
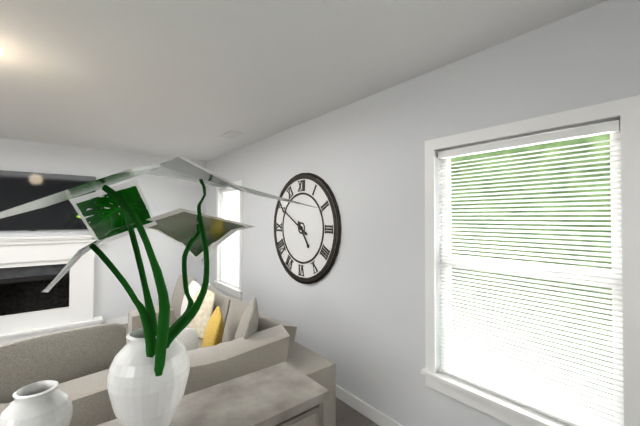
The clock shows **4:50**
